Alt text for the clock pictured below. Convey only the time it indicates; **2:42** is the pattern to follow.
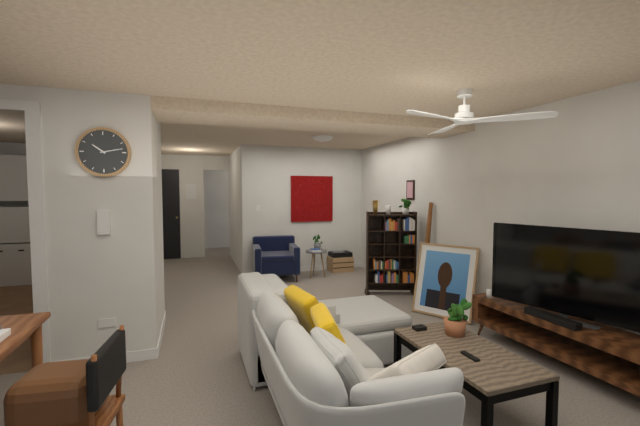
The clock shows **10:13**
